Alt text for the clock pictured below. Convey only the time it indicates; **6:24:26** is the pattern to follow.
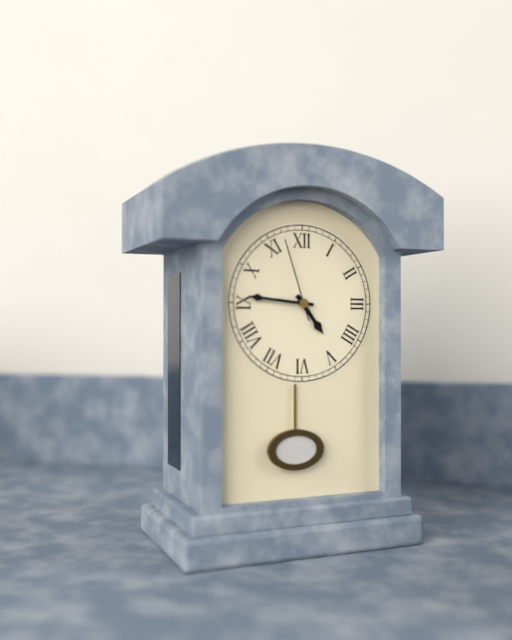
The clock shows **4:46:57**
